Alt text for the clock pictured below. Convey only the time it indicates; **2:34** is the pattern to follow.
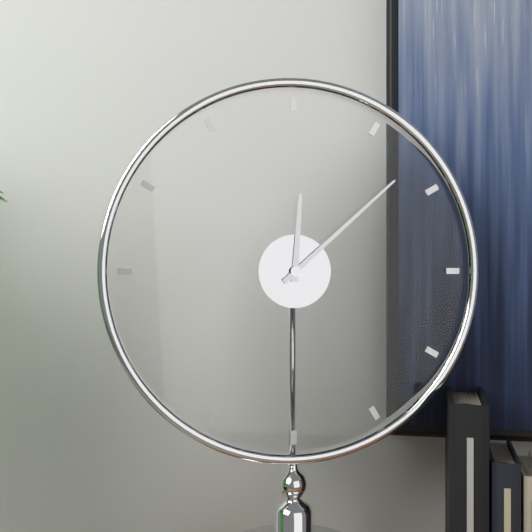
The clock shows **12:08**
